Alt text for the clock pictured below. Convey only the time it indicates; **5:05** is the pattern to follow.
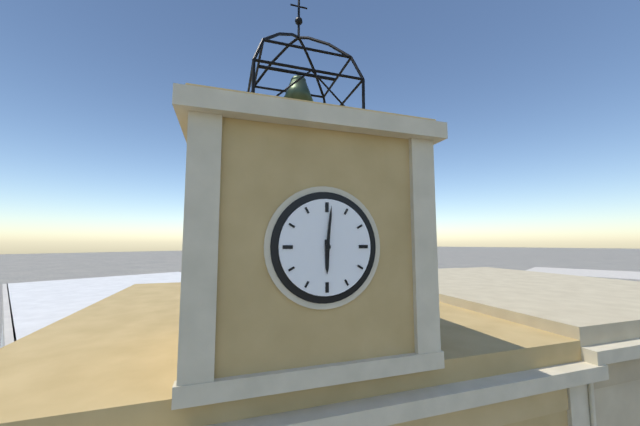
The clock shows **6:01**
